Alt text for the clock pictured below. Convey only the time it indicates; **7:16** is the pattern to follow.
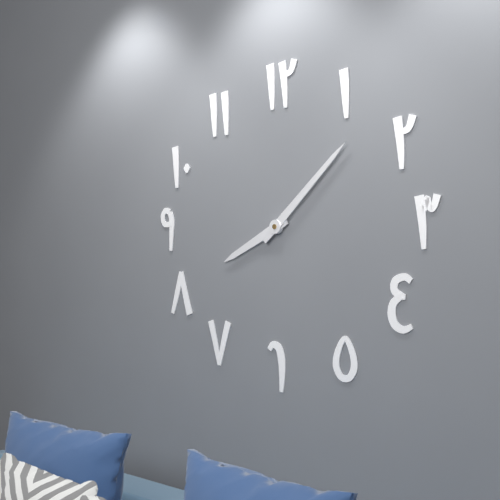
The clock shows **8:08**
